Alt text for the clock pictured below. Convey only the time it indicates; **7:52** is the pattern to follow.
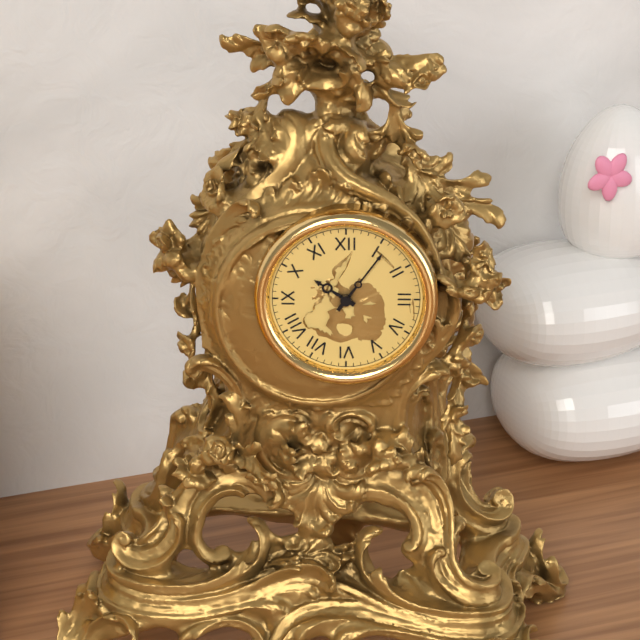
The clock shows **10:06**
